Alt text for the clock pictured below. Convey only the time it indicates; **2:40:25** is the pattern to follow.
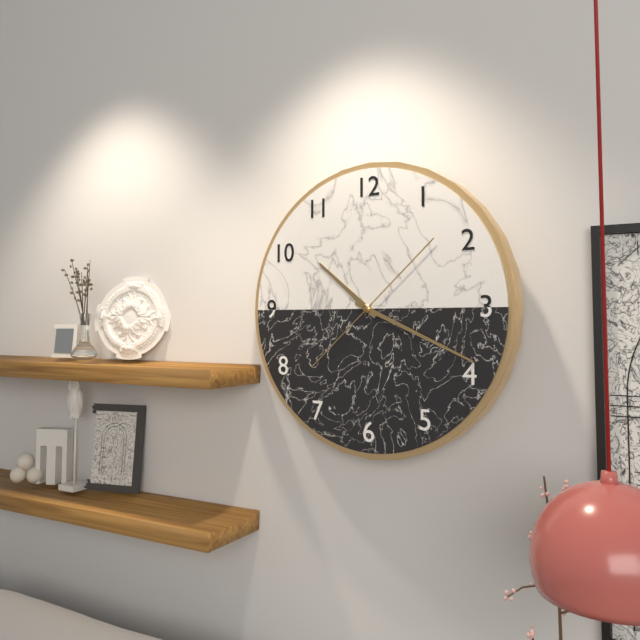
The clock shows **10:19:08**
